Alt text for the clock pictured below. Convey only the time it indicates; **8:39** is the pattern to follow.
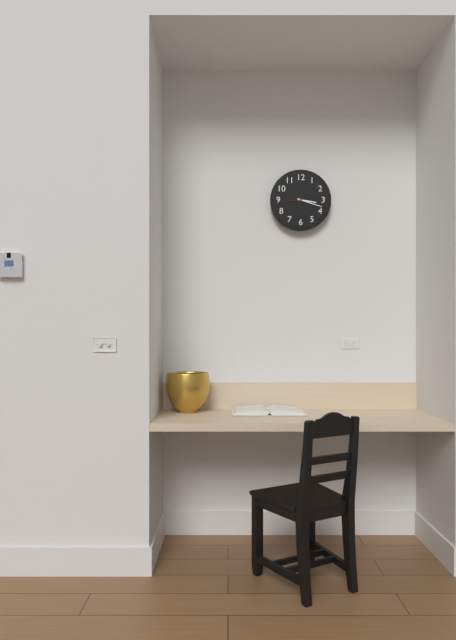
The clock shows **3:18**
